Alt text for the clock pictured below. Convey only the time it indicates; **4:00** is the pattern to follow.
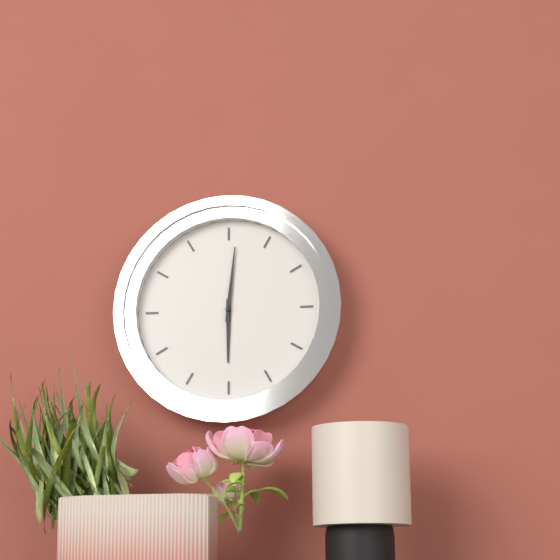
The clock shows **6:01**
